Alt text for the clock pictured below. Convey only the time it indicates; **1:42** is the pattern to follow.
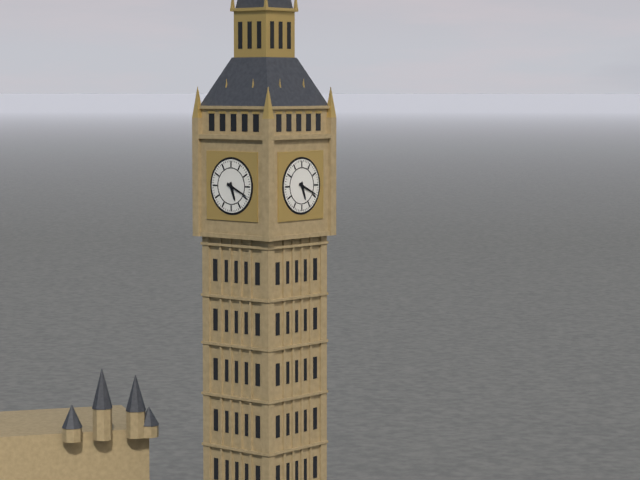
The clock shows **5:19**
